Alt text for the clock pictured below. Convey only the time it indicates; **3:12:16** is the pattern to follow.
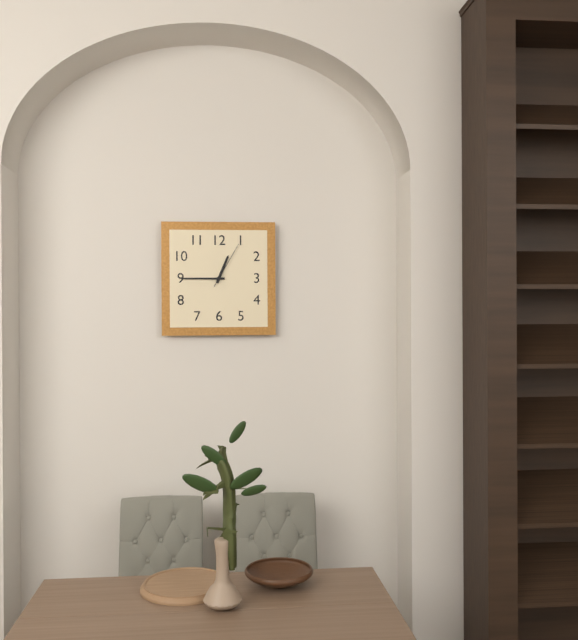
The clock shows **12:45:05**
